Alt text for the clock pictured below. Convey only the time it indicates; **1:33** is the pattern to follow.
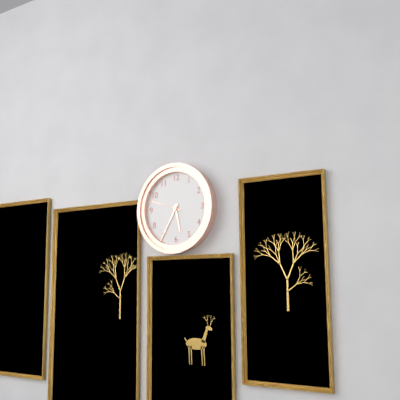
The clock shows **5:35**
